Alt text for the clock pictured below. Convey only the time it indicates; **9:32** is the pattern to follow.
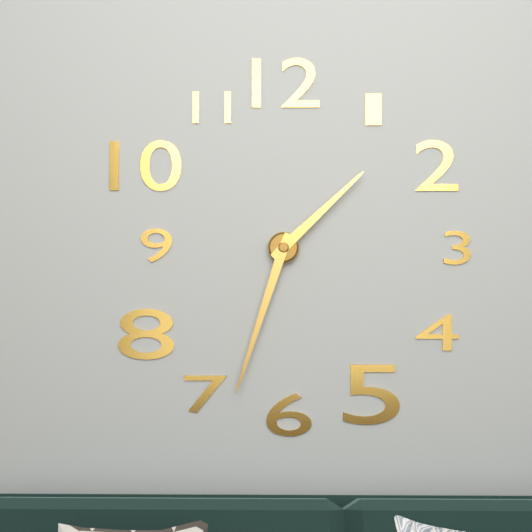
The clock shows **1:33**
